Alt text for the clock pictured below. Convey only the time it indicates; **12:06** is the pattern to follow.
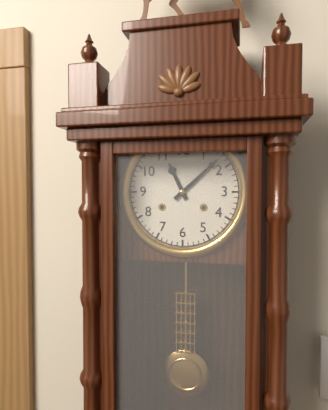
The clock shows **11:08**
